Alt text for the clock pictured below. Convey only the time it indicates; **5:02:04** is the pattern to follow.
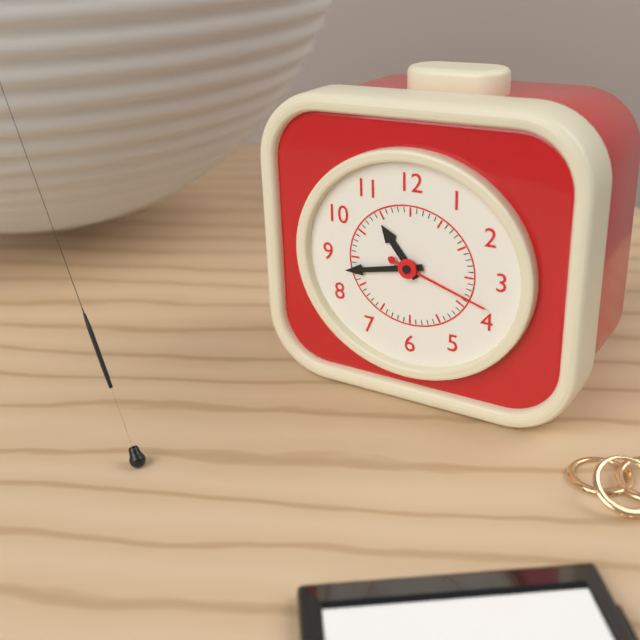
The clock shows **10:43:18**
